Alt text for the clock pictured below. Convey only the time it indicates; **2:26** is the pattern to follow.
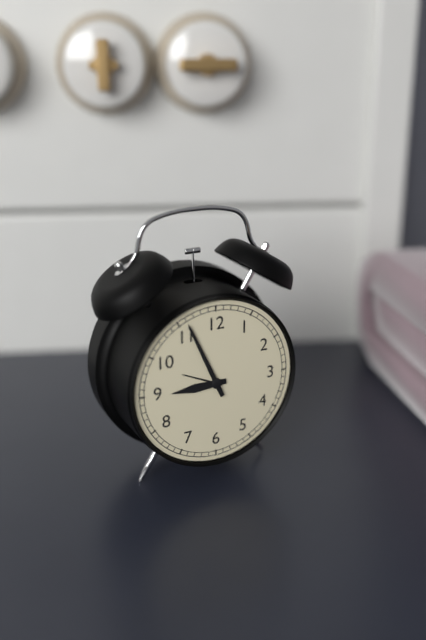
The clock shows **8:56**
